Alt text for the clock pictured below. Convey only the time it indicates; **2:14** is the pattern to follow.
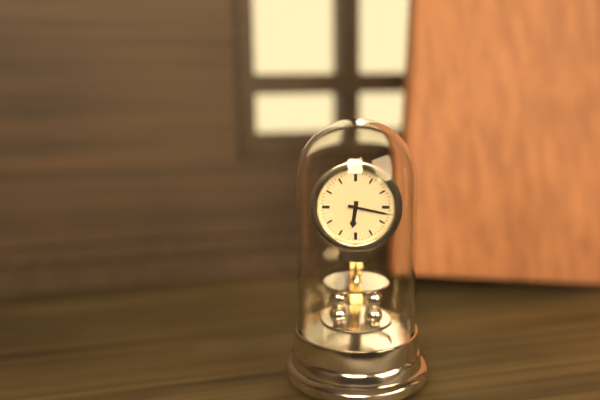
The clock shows **6:17**
